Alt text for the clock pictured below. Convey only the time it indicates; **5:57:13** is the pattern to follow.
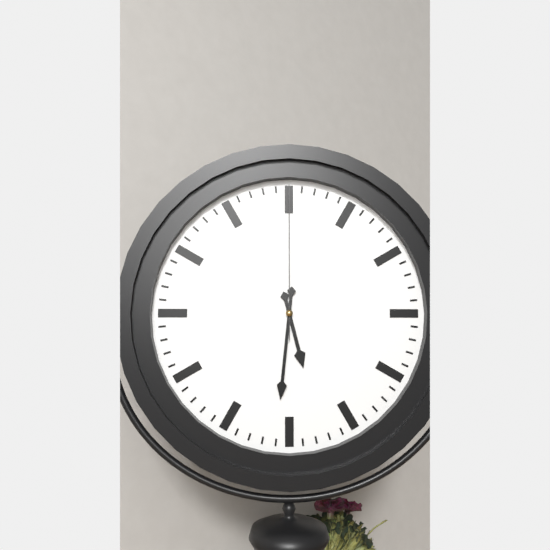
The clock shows **5:31:00**
